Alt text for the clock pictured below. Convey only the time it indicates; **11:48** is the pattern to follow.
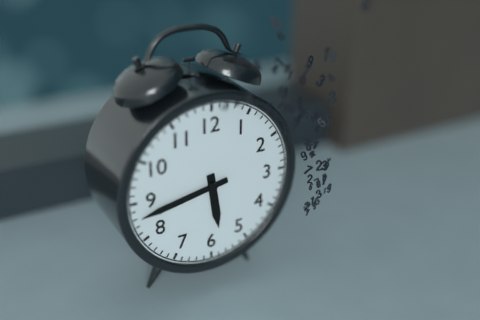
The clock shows **5:43**
